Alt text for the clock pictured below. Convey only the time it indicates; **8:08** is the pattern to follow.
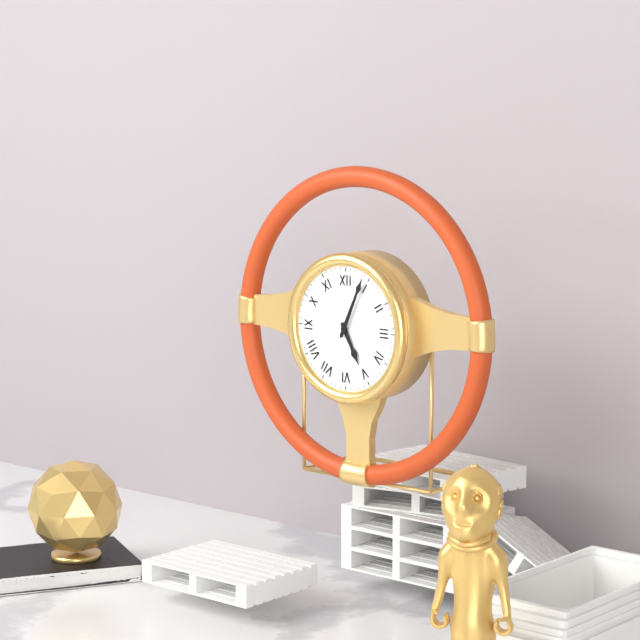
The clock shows **5:04**
